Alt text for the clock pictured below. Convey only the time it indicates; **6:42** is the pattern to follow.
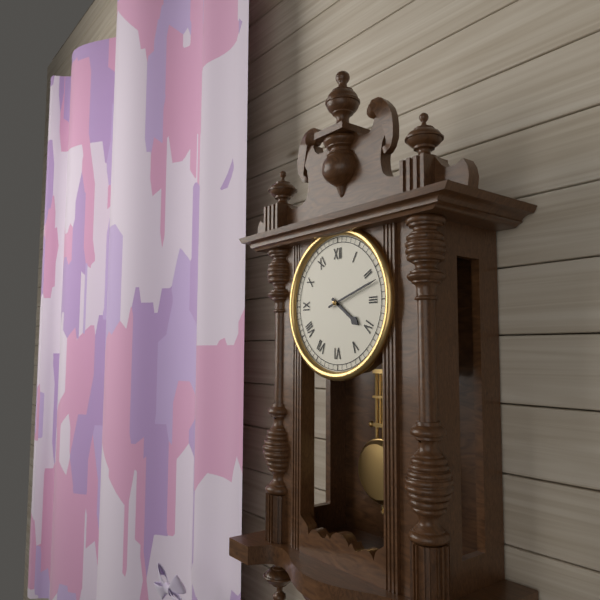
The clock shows **4:12**
